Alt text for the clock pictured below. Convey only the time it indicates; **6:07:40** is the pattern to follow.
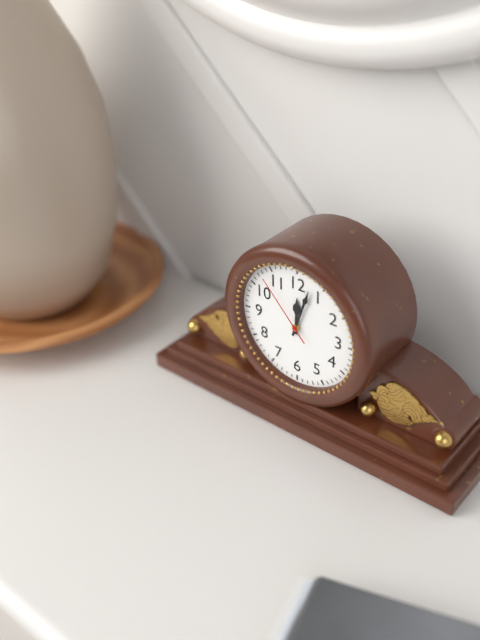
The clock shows **12:03:53**
